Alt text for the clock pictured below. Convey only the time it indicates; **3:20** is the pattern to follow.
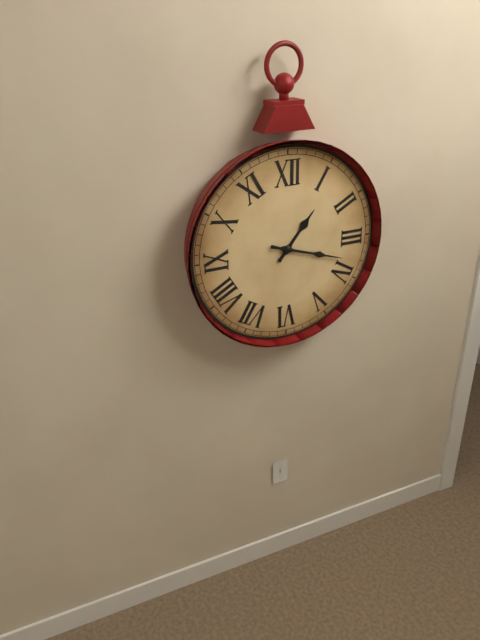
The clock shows **1:18**
